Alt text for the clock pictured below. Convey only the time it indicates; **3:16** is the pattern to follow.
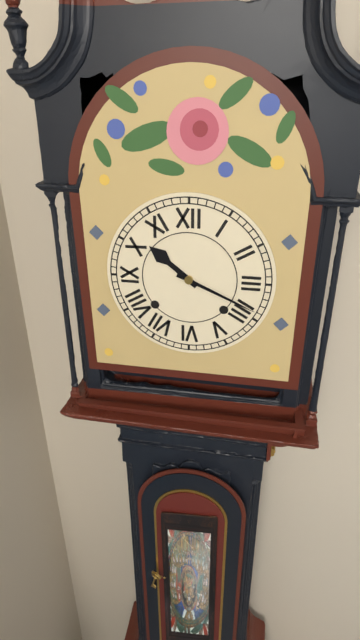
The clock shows **10:19**
